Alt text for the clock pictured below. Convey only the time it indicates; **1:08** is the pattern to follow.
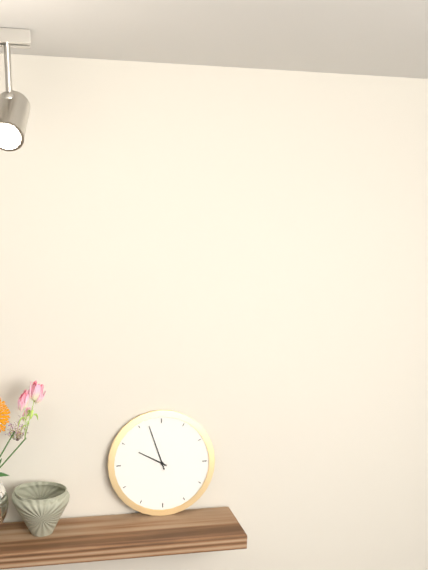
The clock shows **9:57**
